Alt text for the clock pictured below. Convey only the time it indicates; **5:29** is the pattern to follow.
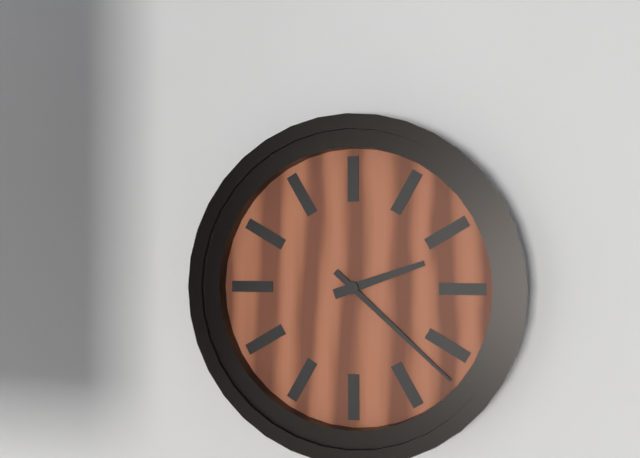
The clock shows **2:22**
